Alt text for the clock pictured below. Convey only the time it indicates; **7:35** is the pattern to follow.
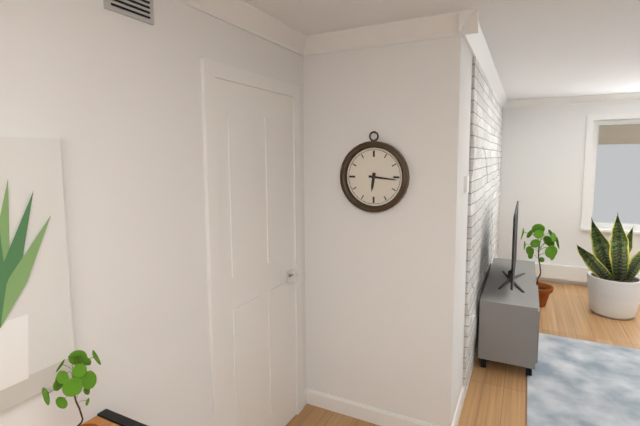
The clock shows **6:16**
